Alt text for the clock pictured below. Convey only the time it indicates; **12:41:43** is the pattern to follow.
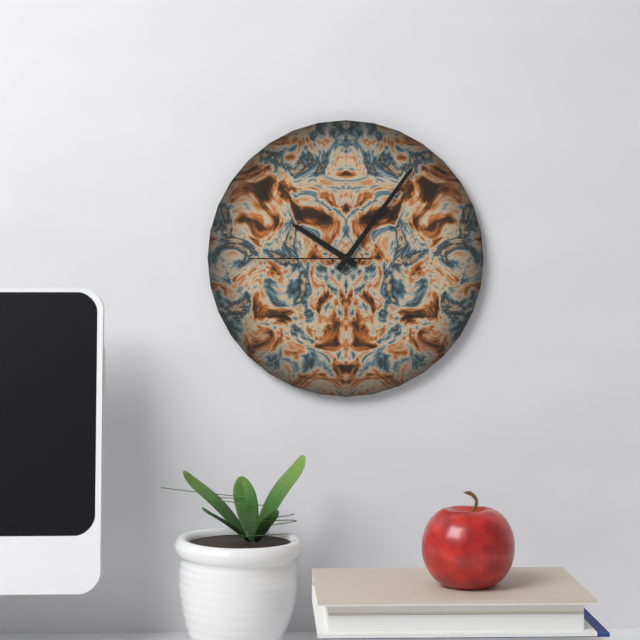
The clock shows **10:06:45**
